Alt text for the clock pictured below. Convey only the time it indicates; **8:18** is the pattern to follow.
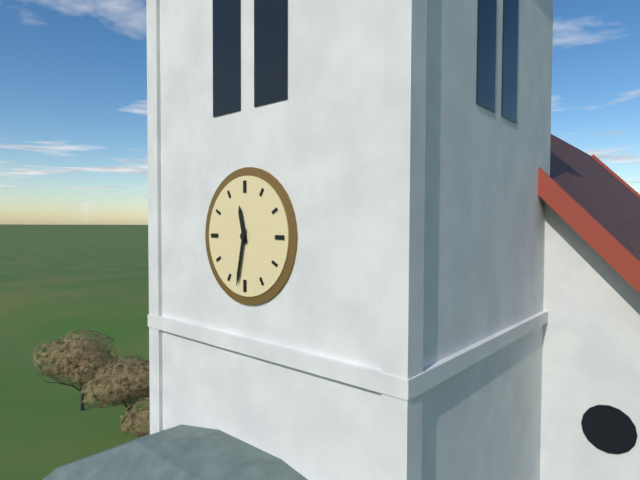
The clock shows **11:32**
